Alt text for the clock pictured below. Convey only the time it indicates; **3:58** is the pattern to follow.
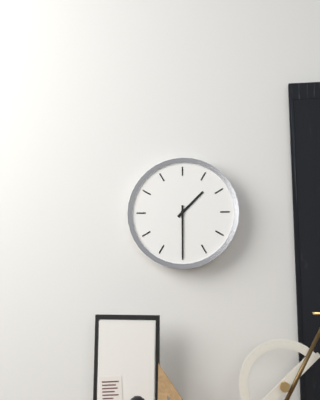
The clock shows **1:30**
